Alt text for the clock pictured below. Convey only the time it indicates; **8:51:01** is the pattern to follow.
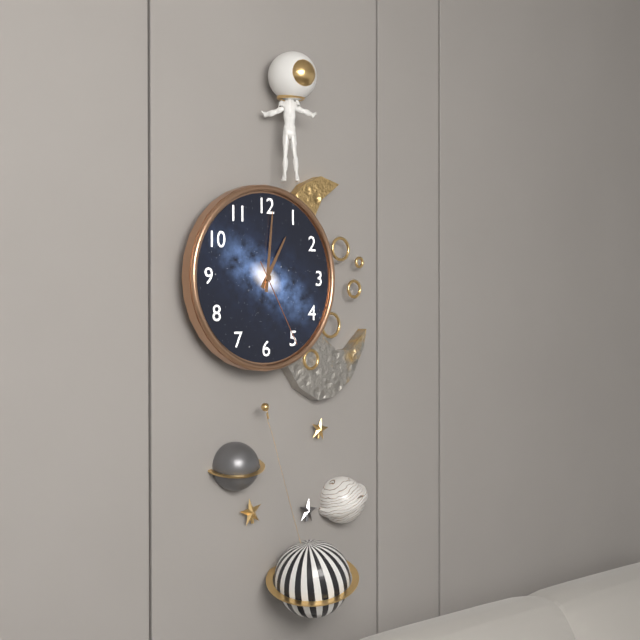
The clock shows **1:01:25**
